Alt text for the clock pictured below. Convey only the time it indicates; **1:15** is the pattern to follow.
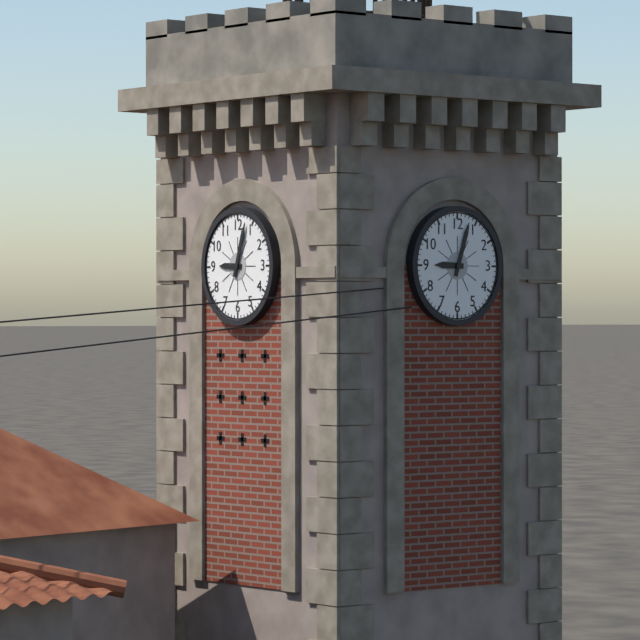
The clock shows **9:03**
